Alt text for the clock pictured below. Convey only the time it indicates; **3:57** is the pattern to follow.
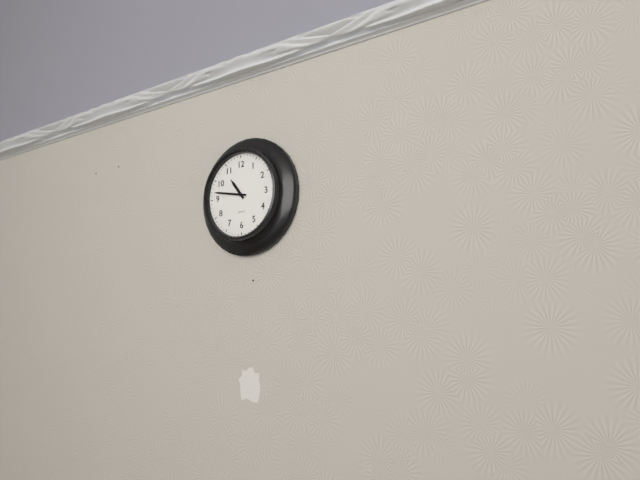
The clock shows **10:47**
